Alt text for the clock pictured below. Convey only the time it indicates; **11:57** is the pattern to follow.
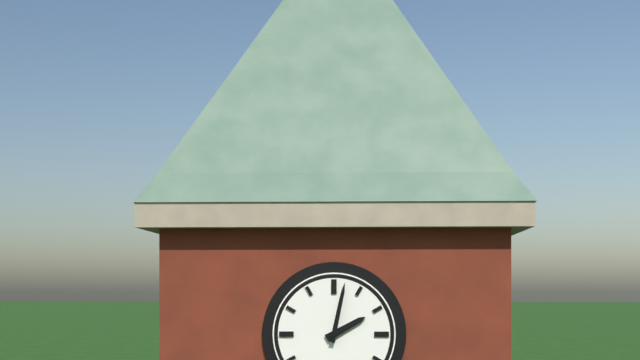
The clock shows **2:02**
